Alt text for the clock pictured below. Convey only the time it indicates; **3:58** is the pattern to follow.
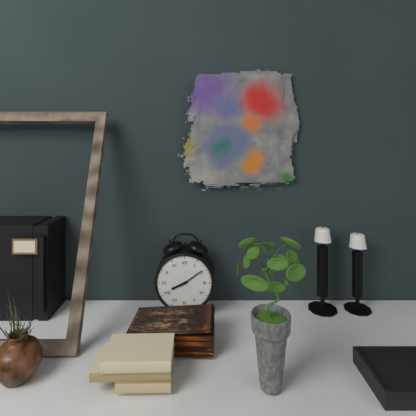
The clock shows **8:09**
